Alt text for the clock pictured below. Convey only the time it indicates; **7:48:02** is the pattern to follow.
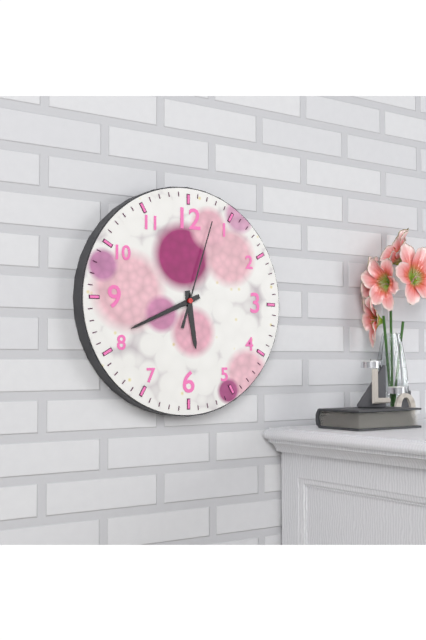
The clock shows **5:41:03**
